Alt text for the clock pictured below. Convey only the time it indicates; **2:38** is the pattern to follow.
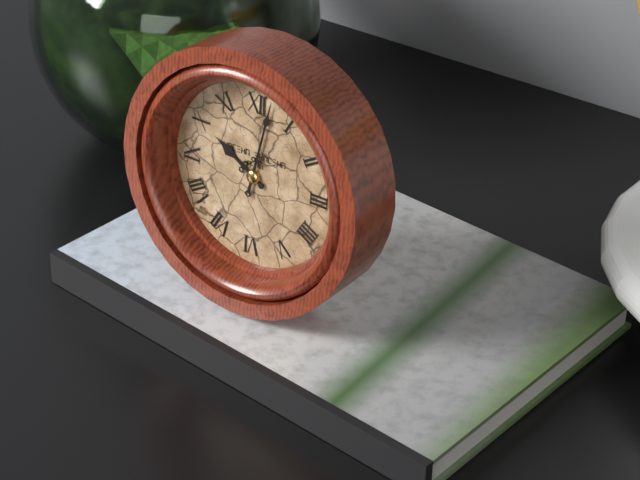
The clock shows **10:02**
